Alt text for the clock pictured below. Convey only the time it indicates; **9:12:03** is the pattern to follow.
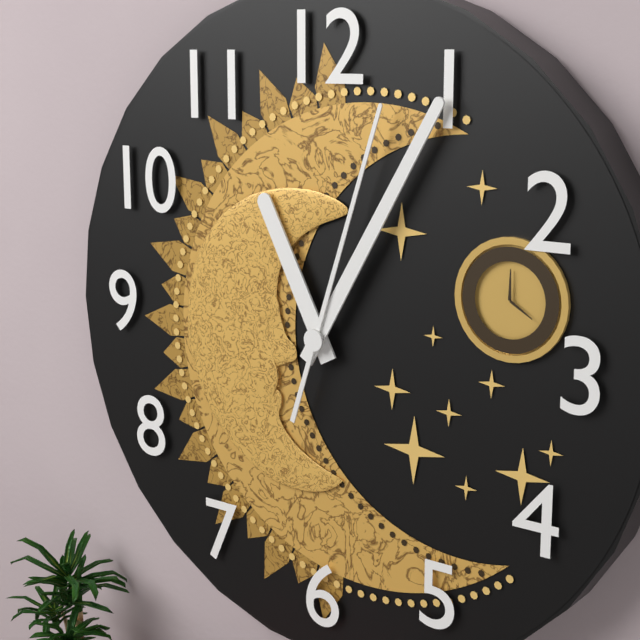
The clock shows **11:05:03**
